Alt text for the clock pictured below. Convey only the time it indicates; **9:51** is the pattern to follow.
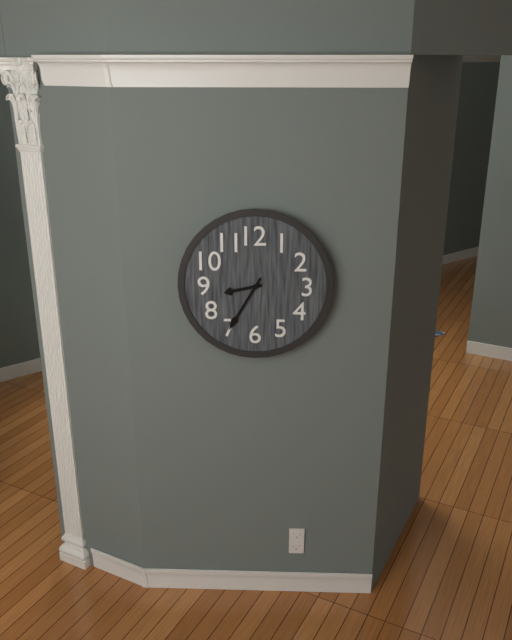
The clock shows **8:35**
